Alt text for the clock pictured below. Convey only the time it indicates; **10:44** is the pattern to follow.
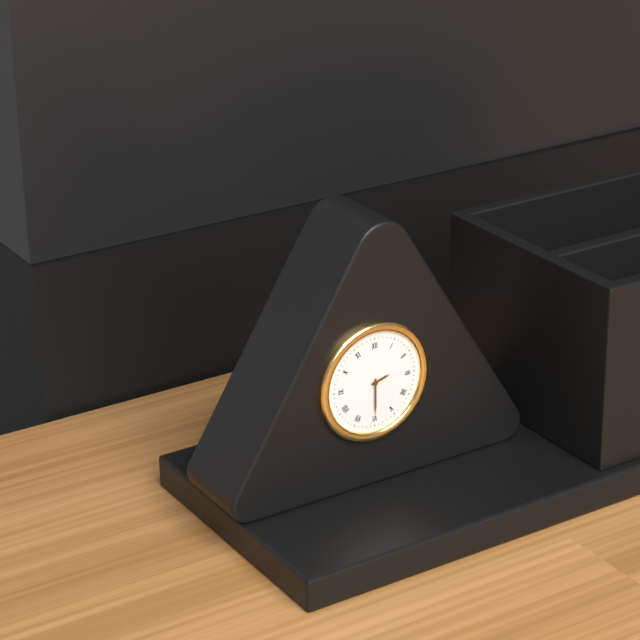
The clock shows **2:30**
